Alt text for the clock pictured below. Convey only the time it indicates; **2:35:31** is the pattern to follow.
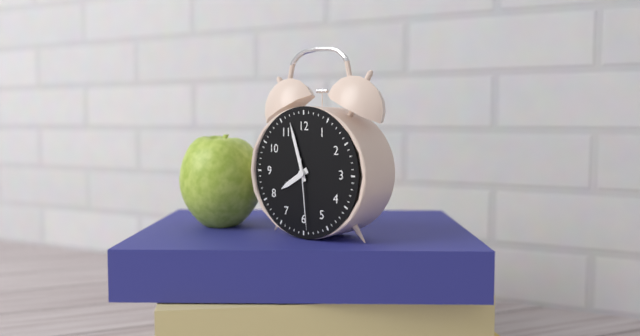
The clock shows **7:57:29**
